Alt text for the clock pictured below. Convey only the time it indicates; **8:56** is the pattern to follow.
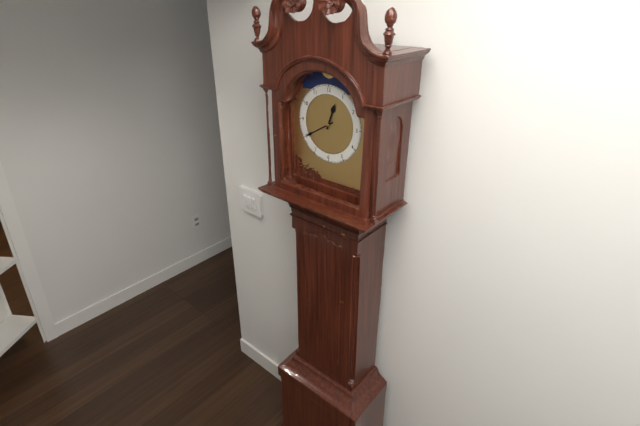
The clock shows **12:40**
